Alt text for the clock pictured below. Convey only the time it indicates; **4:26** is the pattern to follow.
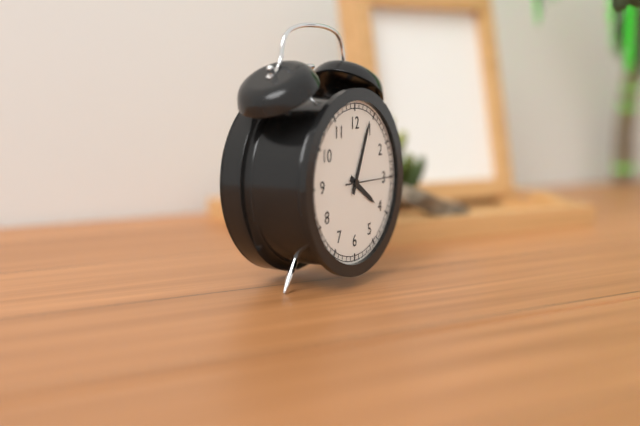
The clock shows **4:04**
